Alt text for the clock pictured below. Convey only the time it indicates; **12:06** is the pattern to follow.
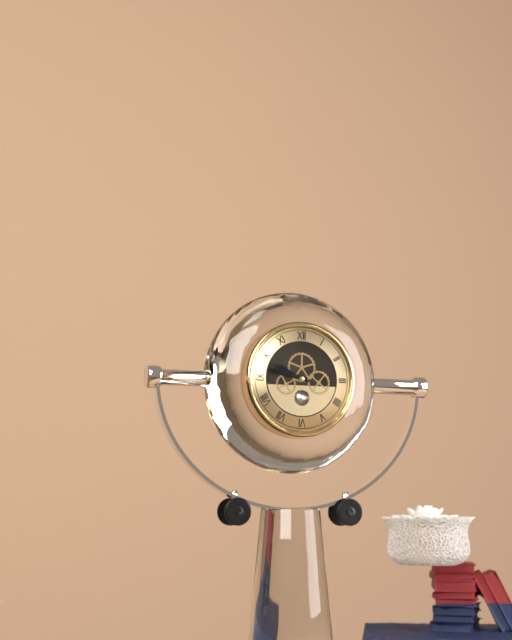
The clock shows **9:47**
